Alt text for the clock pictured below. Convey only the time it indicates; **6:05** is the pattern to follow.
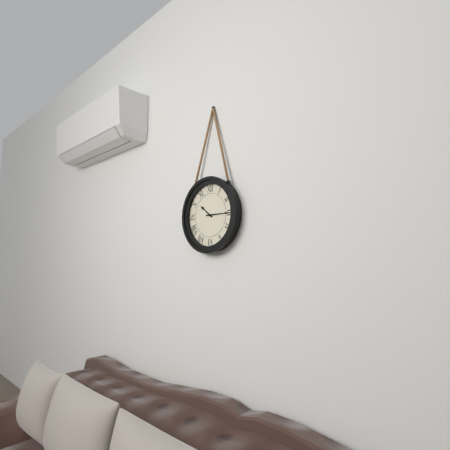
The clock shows **10:15**
